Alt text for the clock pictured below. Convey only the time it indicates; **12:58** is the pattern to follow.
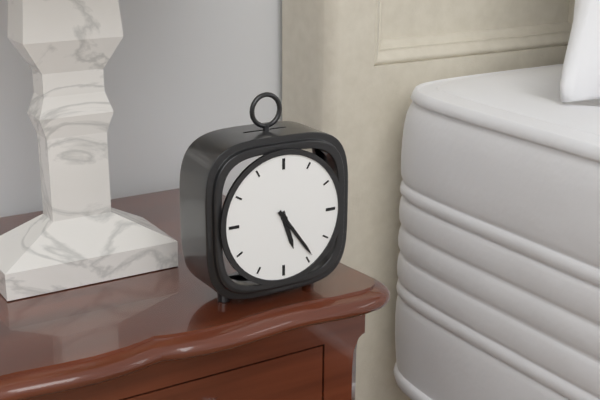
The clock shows **5:24**
